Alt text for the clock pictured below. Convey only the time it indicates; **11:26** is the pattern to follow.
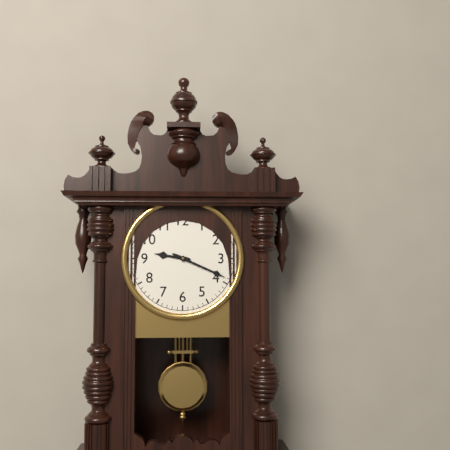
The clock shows **9:19**
